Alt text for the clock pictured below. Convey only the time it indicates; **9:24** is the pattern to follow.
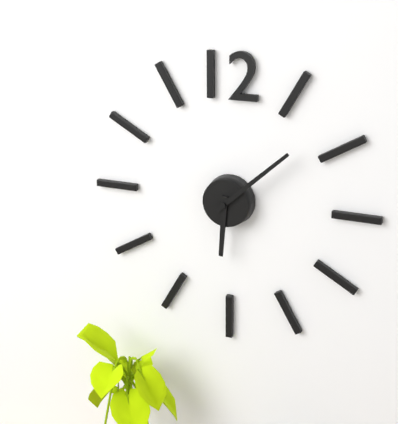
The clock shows **6:08**
